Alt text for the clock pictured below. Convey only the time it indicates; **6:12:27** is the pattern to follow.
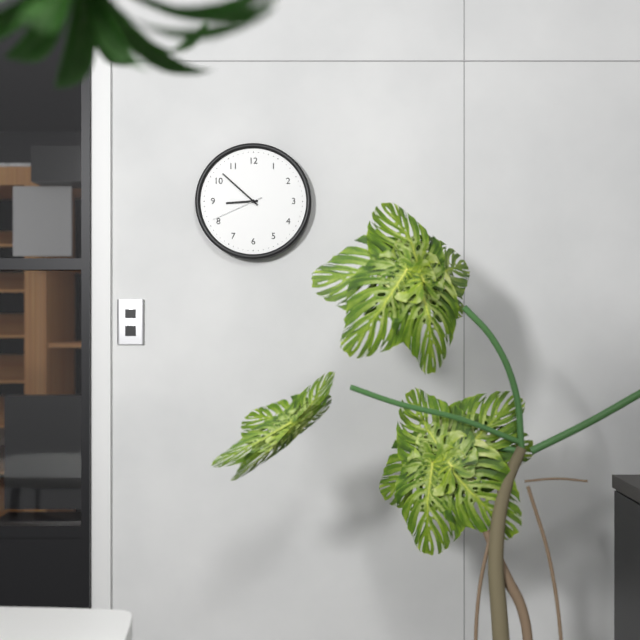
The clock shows **8:52:41**
